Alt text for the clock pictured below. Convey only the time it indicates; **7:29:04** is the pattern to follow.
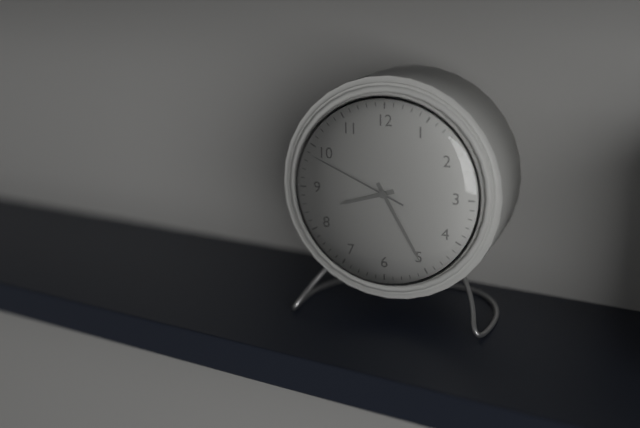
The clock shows **8:25:49**
